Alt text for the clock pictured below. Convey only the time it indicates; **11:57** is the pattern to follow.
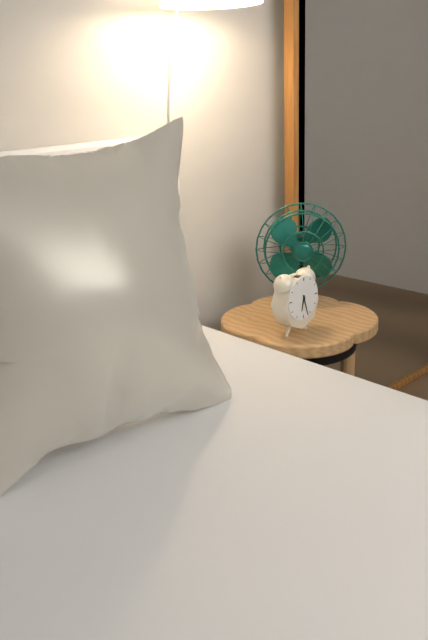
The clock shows **6:27**
